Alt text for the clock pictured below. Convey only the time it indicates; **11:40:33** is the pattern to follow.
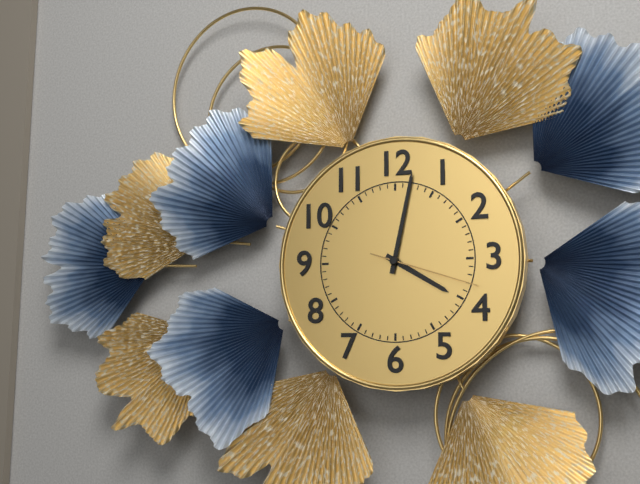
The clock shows **4:02:18**
